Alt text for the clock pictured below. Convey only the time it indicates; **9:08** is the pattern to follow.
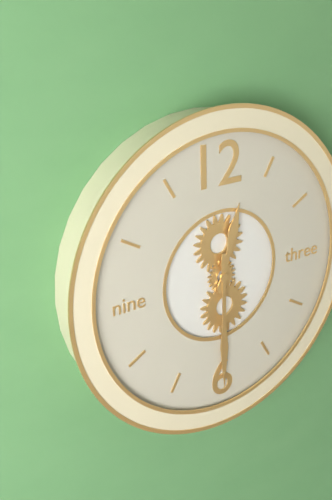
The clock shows **12:30**
